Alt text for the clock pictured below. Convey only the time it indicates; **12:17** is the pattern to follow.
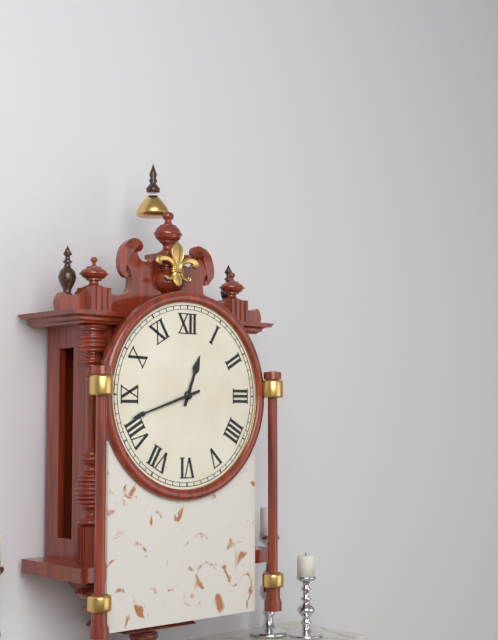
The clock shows **12:42**
